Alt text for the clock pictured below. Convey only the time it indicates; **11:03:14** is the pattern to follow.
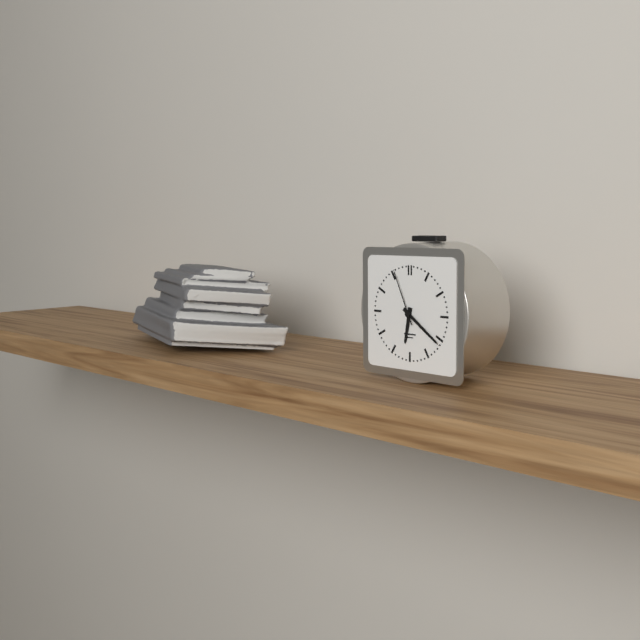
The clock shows **6:21:56**
